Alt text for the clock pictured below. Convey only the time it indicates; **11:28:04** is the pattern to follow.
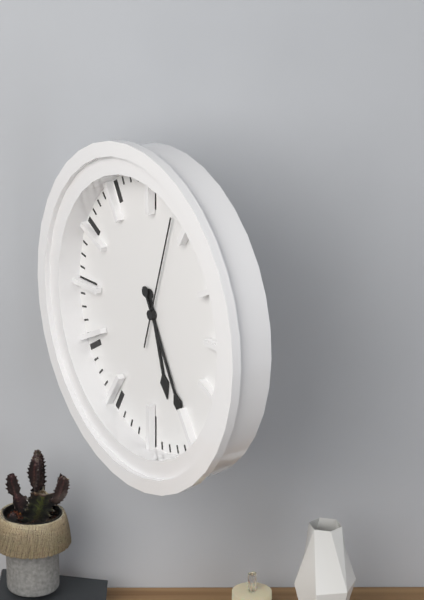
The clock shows **5:25:03**
